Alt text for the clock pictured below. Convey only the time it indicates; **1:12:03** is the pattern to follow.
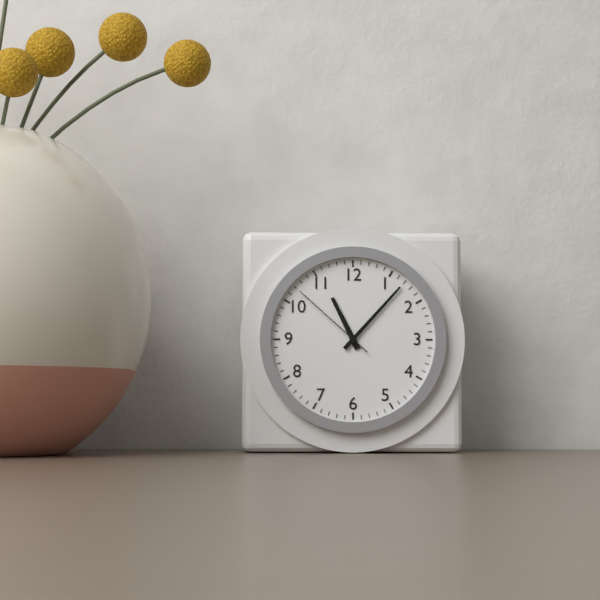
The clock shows **11:07:52**
